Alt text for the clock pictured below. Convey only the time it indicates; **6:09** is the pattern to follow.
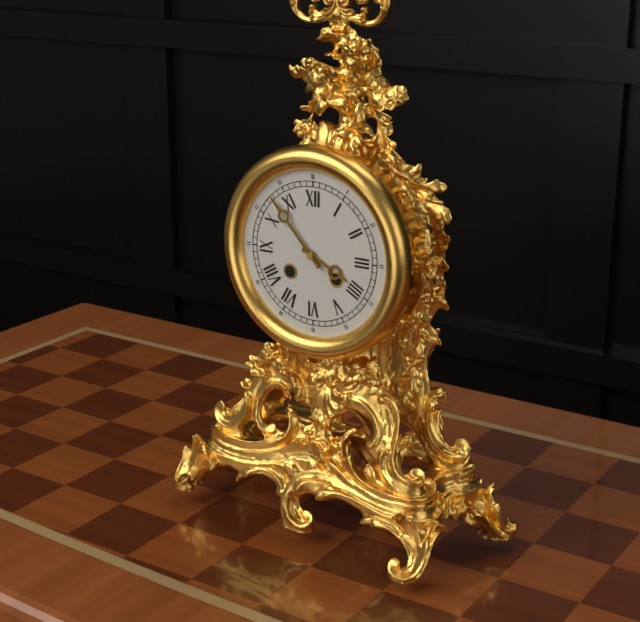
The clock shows **3:53**
